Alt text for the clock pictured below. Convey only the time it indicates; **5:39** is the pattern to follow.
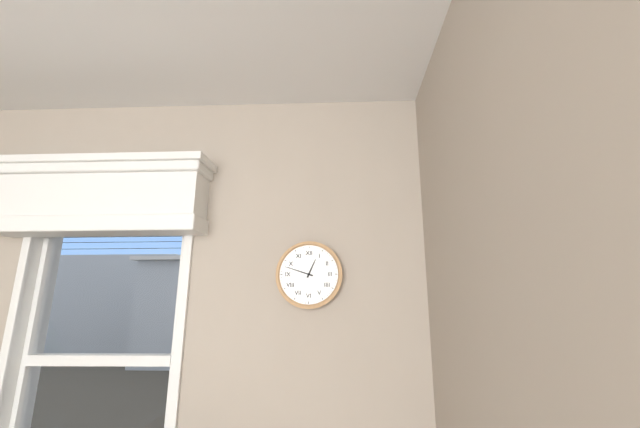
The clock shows **12:48**
